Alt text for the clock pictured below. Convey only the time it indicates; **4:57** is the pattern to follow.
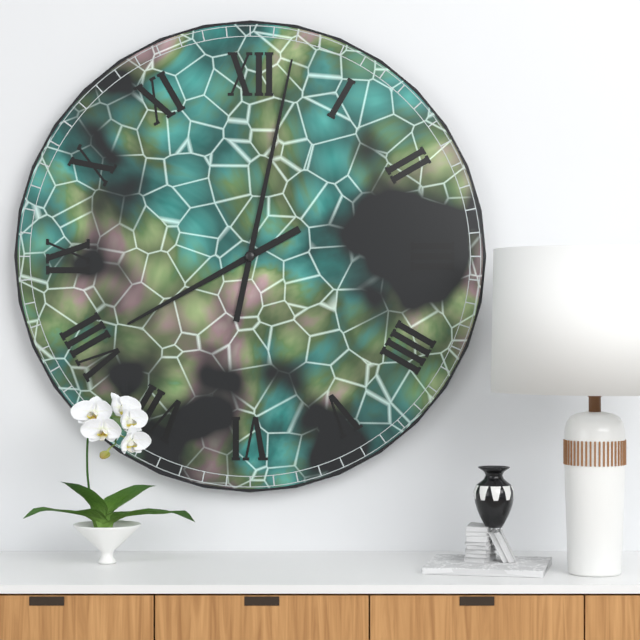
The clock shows **8:02**
